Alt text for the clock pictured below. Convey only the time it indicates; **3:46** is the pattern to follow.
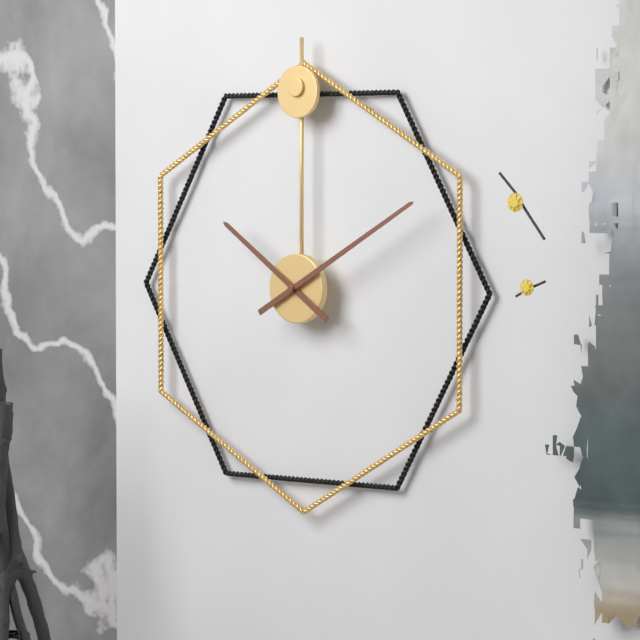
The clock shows **10:10**
